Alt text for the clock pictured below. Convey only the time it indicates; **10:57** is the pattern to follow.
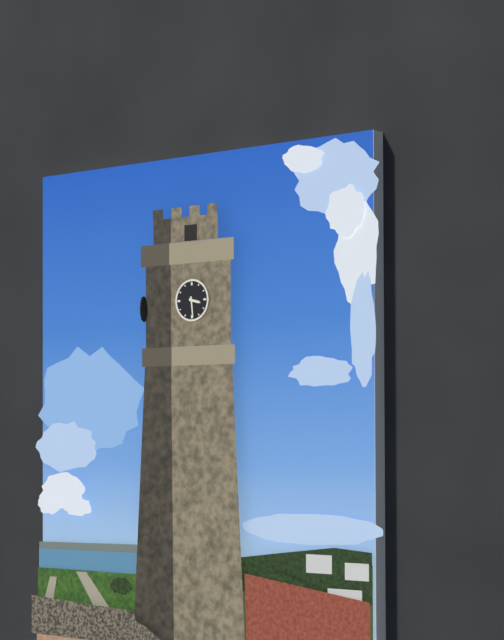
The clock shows **3:29**
